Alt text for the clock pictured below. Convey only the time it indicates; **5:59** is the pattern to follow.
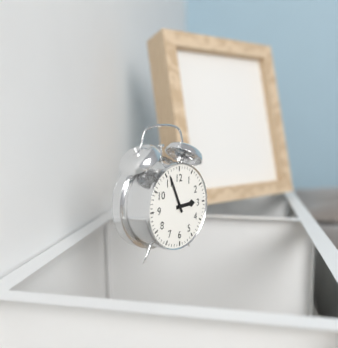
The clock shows **2:56**
